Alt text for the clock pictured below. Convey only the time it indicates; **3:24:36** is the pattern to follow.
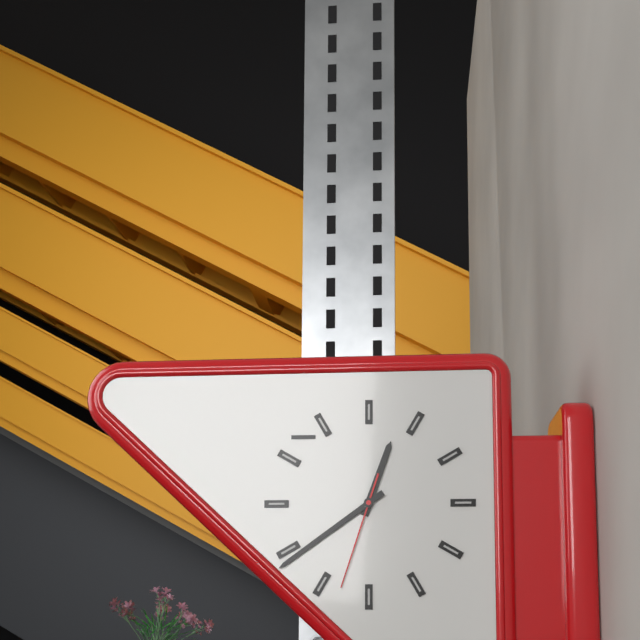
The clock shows **12:39:33**
